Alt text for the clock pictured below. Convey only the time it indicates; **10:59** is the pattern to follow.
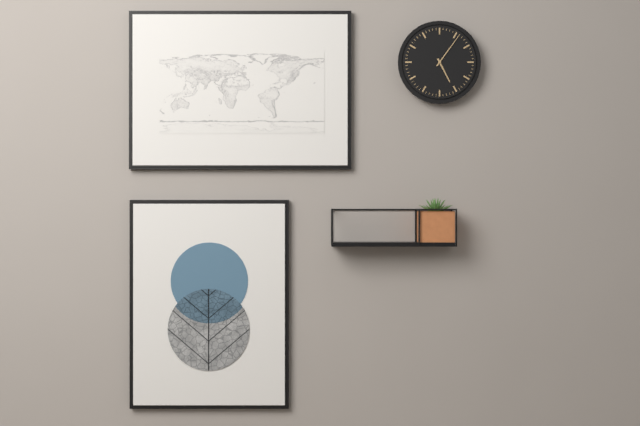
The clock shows **5:06**
